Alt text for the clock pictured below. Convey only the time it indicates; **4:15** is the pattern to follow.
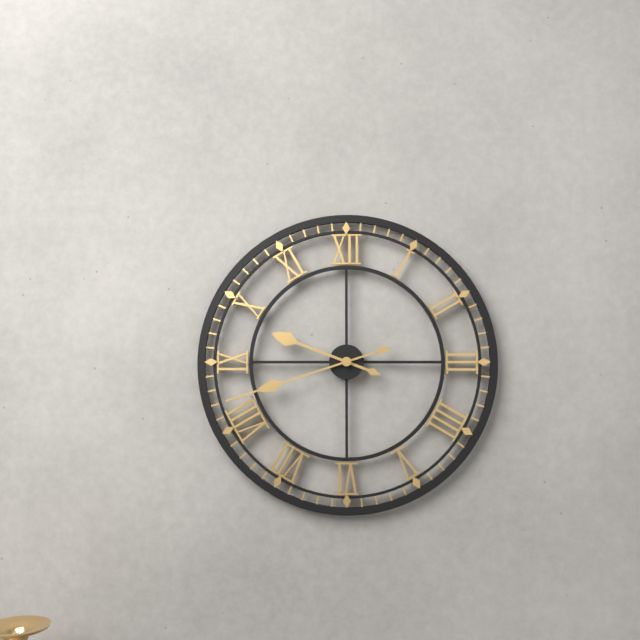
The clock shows **9:42**
